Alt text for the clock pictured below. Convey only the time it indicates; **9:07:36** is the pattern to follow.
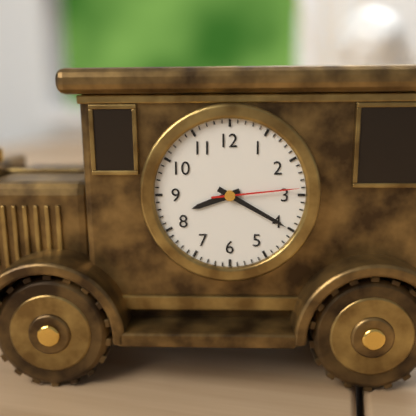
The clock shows **8:20:14**
